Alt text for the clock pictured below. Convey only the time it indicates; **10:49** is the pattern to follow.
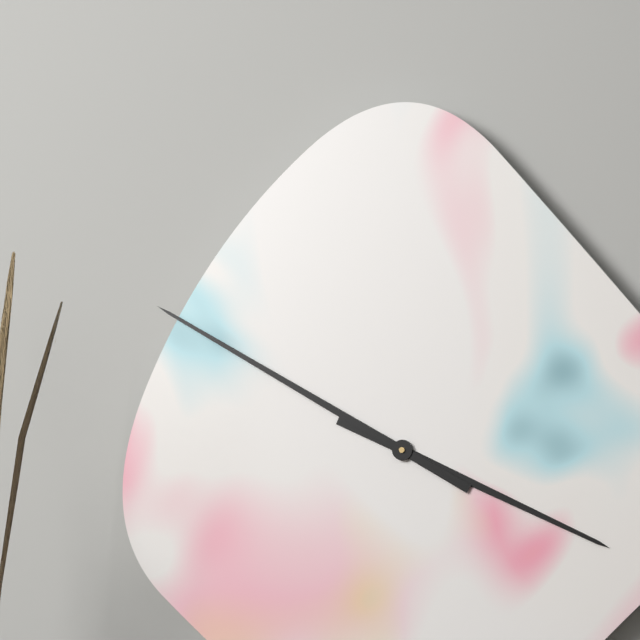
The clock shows **3:50**
